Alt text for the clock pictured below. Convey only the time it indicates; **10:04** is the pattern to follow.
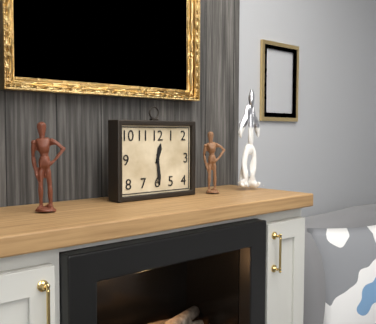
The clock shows **12:29**
